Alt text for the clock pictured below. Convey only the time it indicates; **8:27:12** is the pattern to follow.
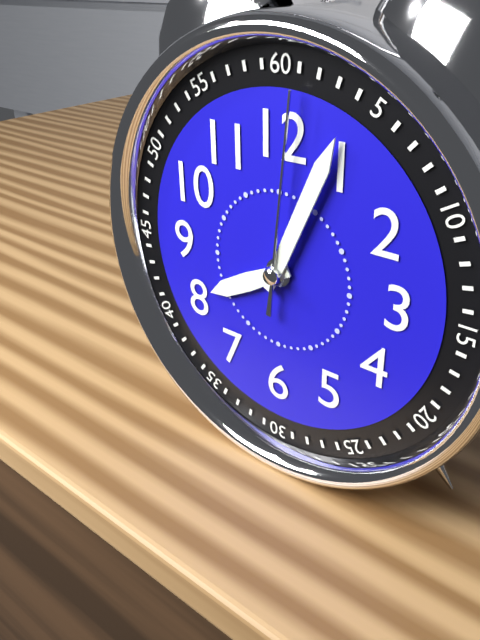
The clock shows **8:04:01**
